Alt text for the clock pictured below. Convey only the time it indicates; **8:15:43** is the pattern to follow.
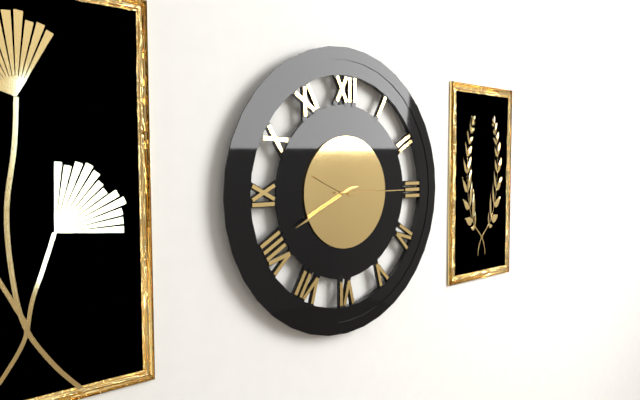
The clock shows **9:41:15**
